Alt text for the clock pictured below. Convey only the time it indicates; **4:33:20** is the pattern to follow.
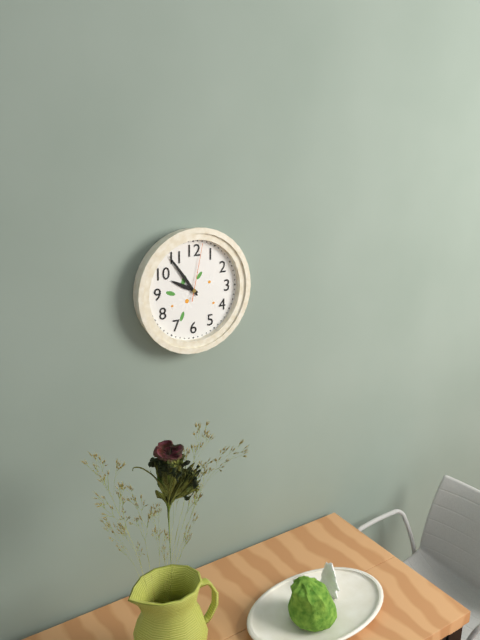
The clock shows **9:54:02**
